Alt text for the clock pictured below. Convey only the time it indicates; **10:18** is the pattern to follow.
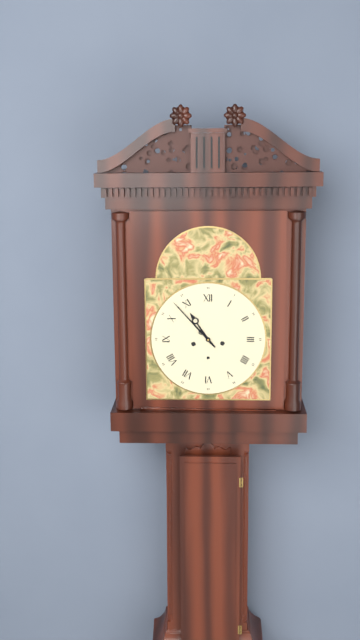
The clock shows **10:53**
